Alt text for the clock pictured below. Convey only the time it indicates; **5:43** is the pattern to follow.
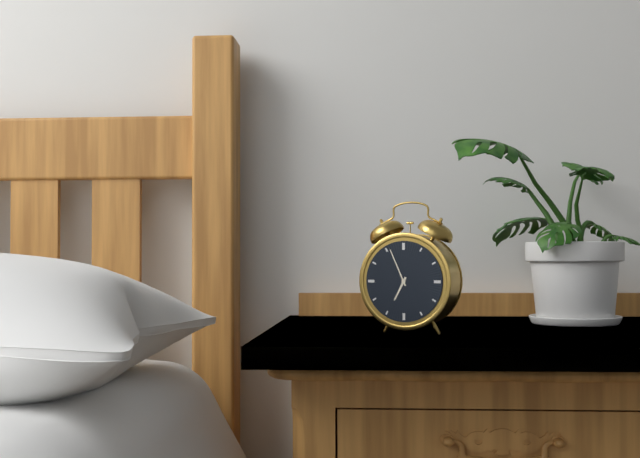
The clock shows **6:56**
